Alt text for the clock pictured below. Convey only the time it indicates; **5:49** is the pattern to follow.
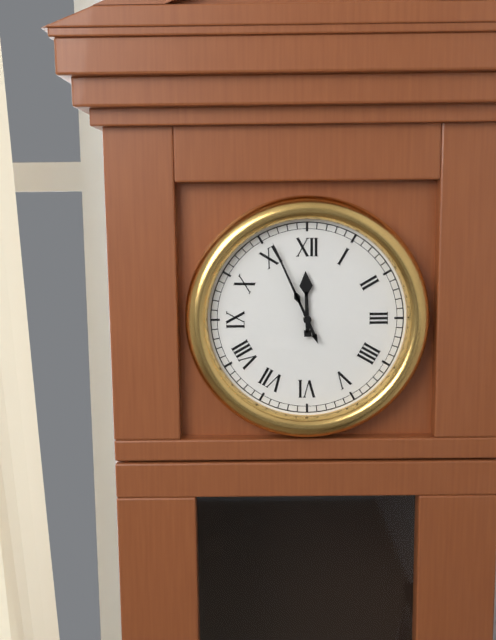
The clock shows **11:56**
